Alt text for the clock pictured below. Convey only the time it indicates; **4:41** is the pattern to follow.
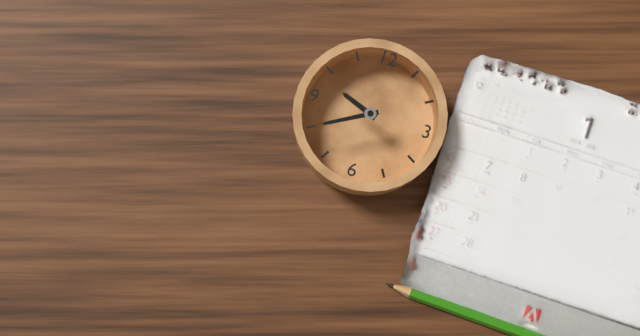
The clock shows **9:40**
